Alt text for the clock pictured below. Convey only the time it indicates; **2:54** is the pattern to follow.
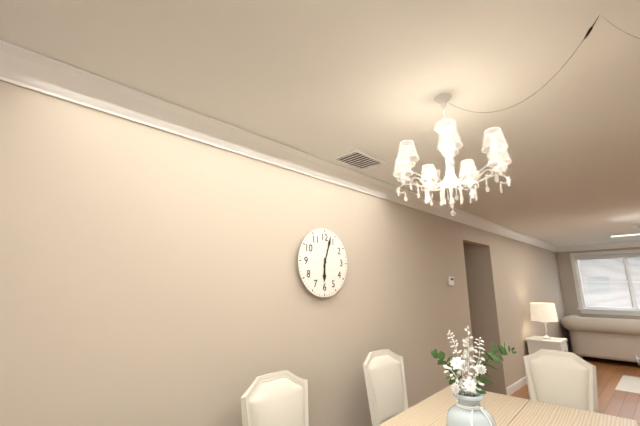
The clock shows **6:03**
